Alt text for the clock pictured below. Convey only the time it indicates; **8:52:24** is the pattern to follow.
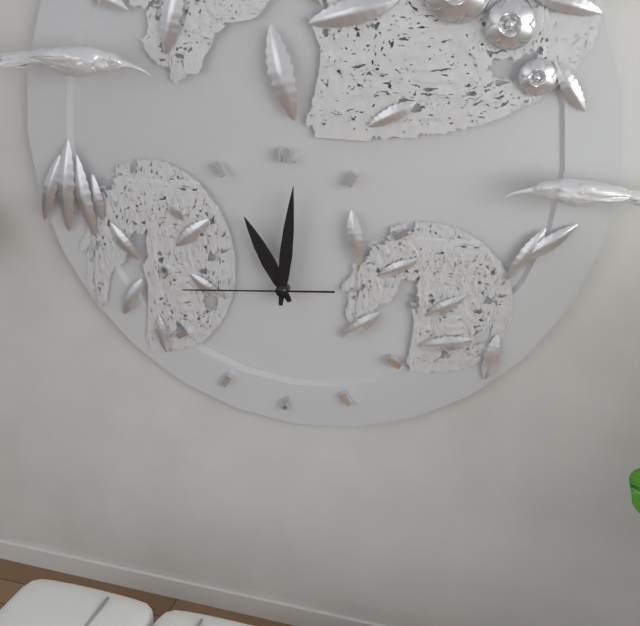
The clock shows **11:01:44**
